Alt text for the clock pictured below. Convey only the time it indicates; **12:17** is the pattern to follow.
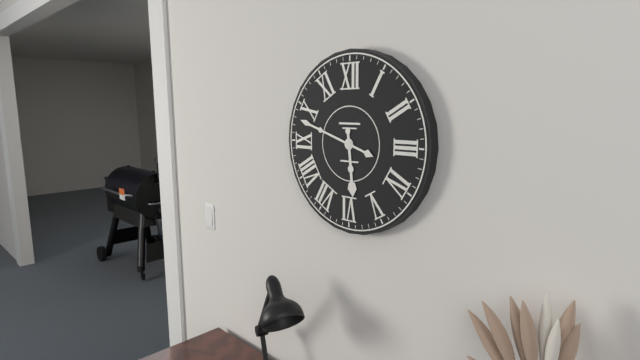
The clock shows **5:48**
